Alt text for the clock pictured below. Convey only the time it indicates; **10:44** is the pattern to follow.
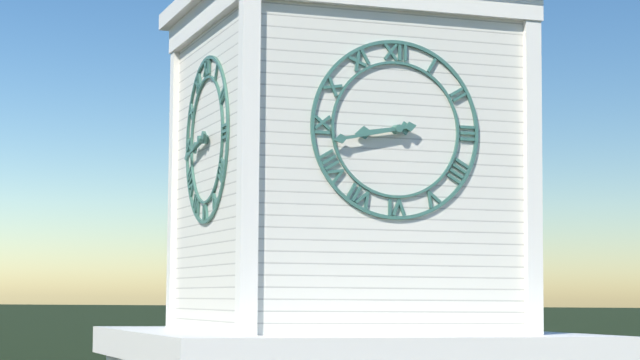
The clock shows **8:43**
